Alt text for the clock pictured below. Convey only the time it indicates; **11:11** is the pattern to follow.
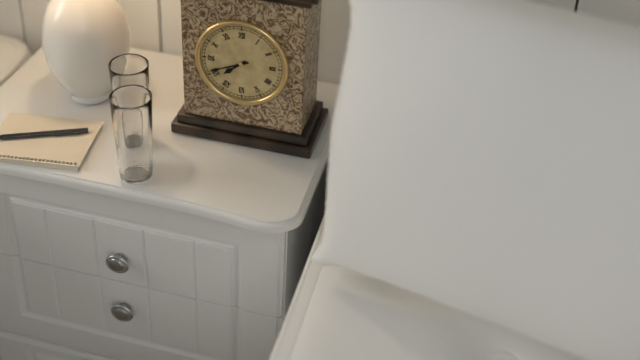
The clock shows **7:41**
